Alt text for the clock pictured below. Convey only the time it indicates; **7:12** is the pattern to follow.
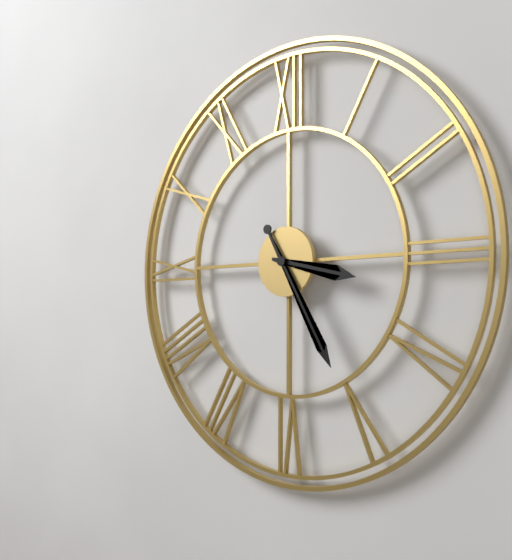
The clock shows **3:25**
